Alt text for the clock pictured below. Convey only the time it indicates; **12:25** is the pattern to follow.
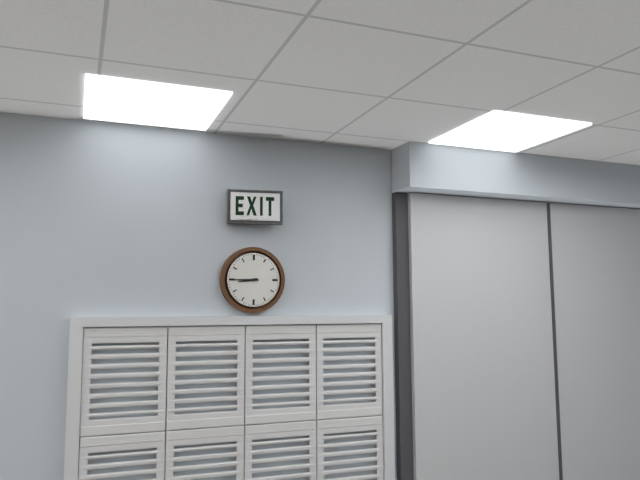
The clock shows **8:45**
